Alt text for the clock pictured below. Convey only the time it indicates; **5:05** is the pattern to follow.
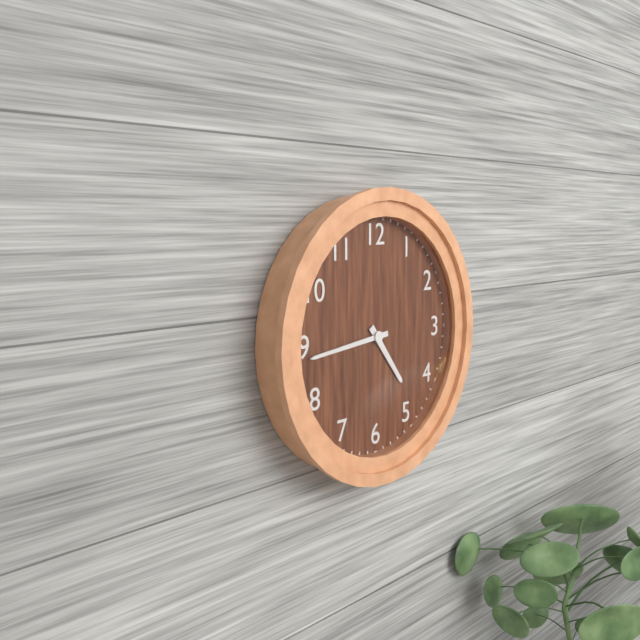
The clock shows **4:44**
